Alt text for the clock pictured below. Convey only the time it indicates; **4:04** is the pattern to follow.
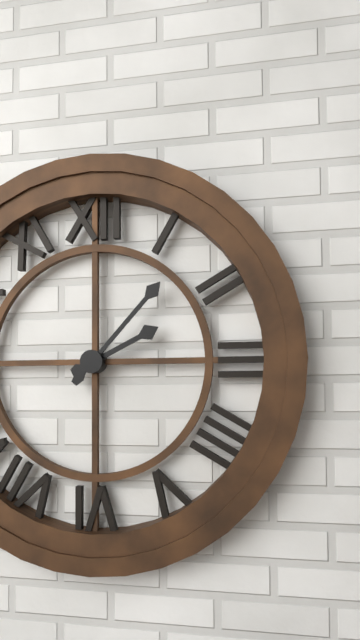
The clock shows **2:07**
